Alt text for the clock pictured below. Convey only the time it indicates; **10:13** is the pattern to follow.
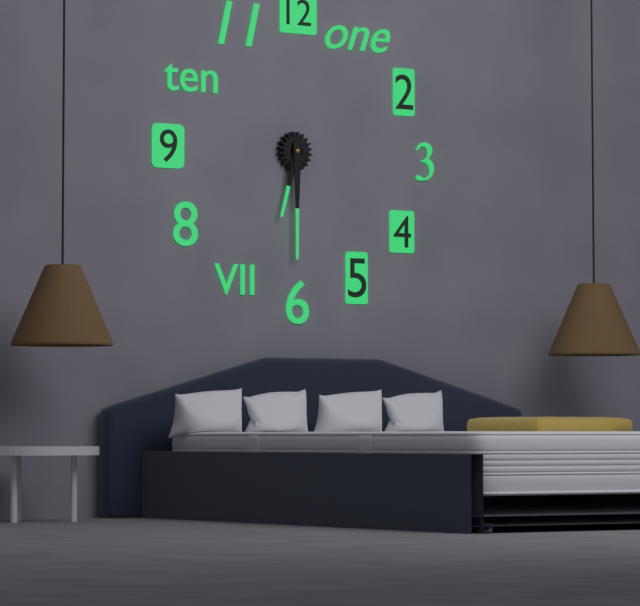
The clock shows **6:30**
